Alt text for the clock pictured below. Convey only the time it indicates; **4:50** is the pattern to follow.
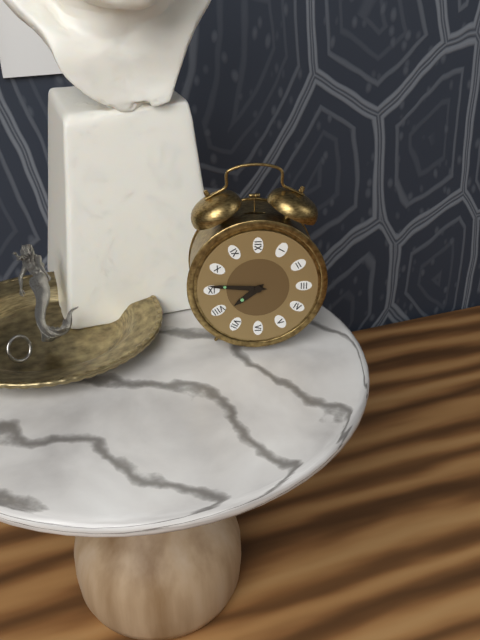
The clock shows **7:46**
